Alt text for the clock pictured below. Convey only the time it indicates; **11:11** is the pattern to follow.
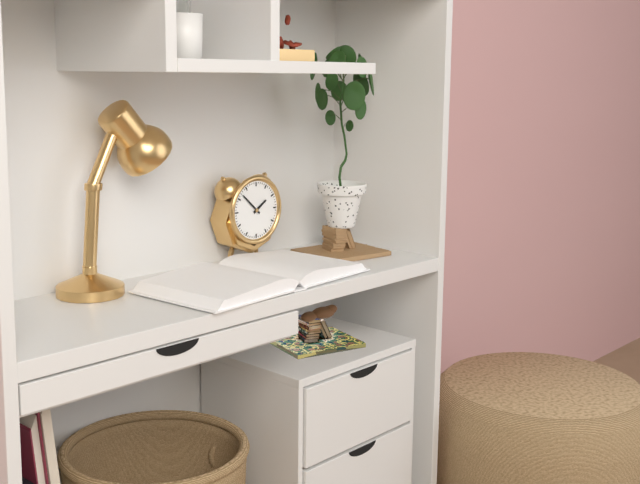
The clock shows **1:52**
